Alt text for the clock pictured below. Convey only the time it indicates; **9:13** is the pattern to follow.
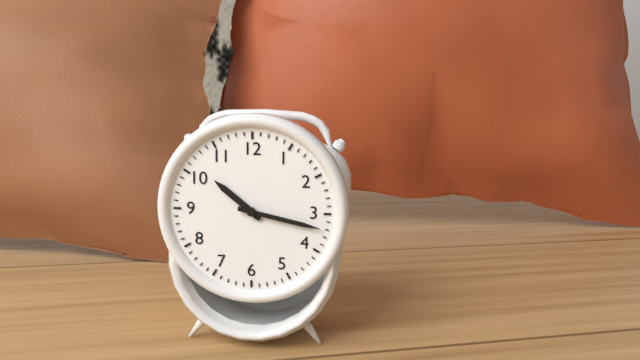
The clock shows **10:17**
